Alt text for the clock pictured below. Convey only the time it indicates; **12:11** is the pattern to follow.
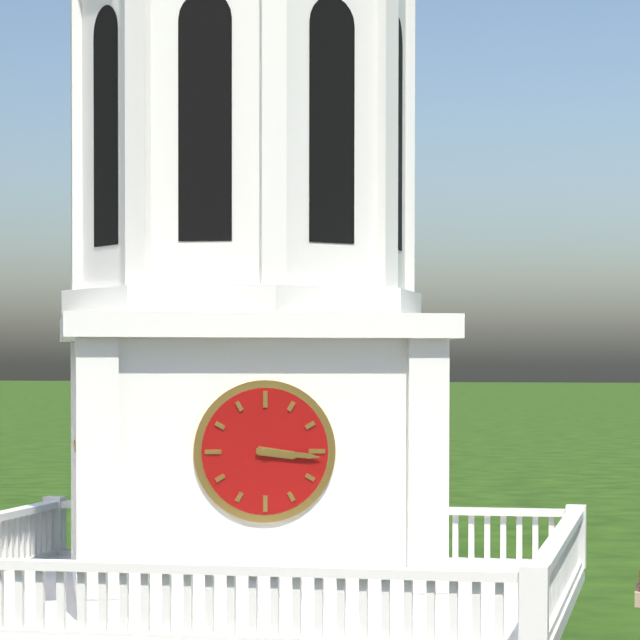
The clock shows **3:16**
